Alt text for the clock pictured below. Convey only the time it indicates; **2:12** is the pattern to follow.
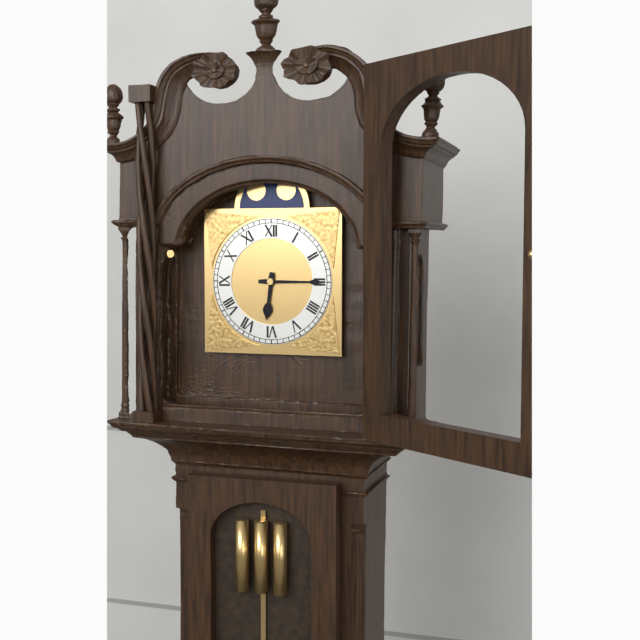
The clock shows **6:15**
